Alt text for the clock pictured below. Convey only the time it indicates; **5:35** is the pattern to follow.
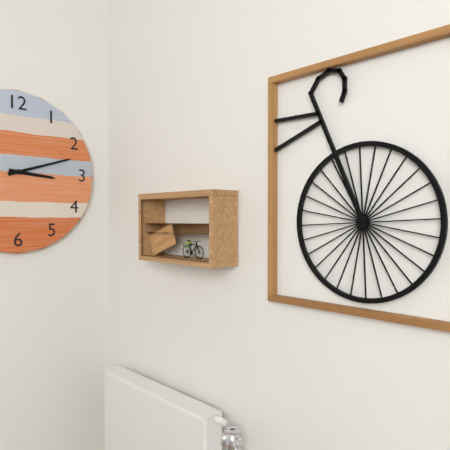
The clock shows **3:12**
